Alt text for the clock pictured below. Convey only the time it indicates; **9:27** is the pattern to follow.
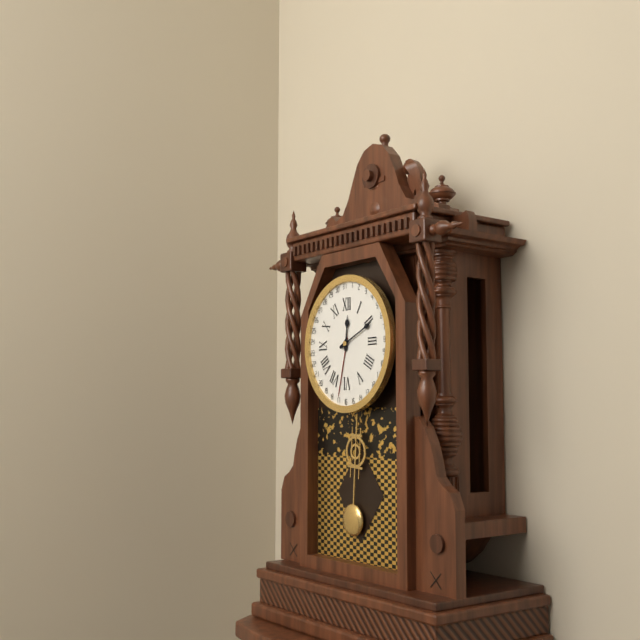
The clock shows **12:11**
